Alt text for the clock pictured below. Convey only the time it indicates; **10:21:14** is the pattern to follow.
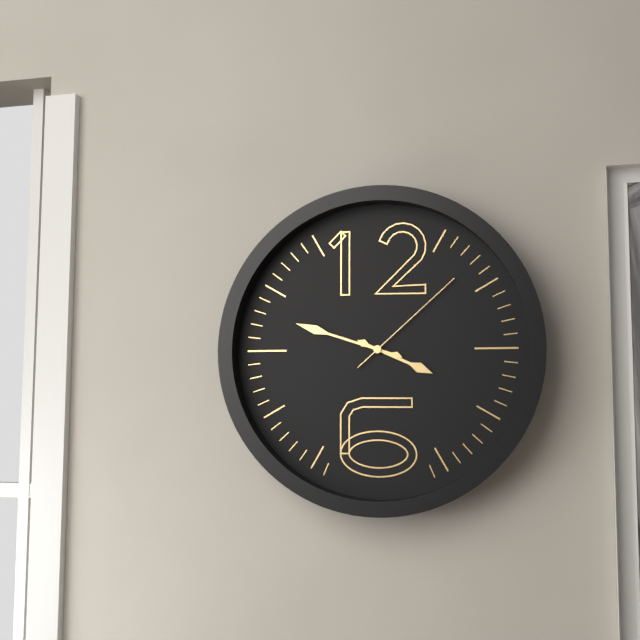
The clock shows **3:48:08**
